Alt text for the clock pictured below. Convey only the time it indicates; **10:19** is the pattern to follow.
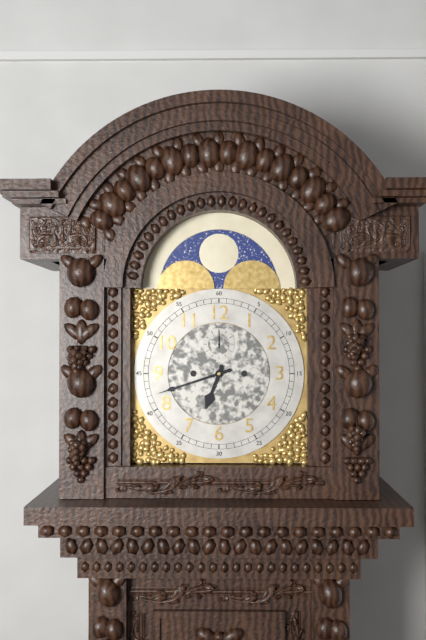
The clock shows **6:42**
